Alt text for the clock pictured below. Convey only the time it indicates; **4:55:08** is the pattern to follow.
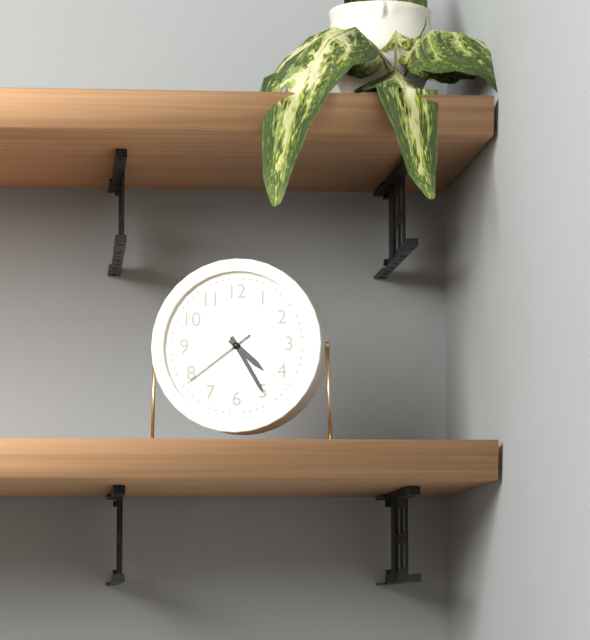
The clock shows **4:25:39**
